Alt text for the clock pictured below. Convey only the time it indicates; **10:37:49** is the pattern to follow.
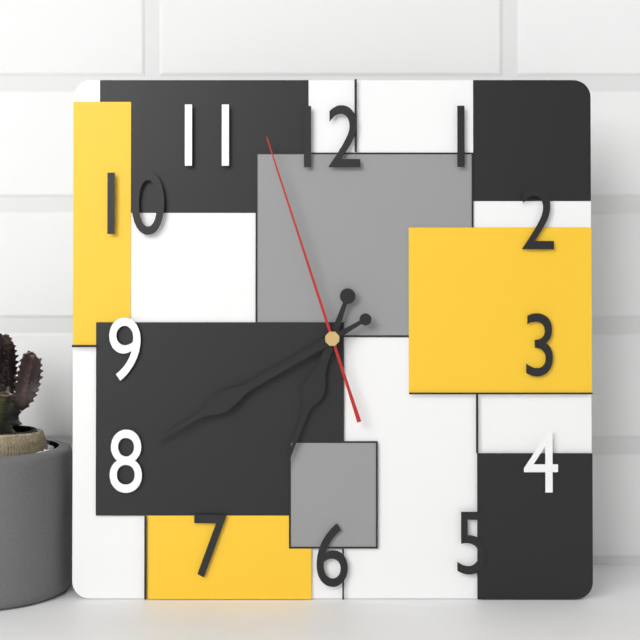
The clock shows **6:40:57**
